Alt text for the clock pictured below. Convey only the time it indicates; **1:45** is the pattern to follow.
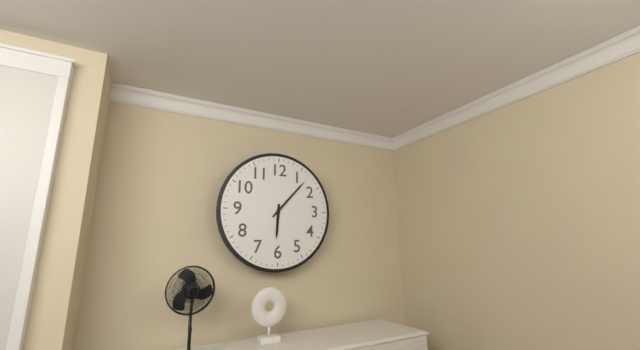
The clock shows **6:07**
